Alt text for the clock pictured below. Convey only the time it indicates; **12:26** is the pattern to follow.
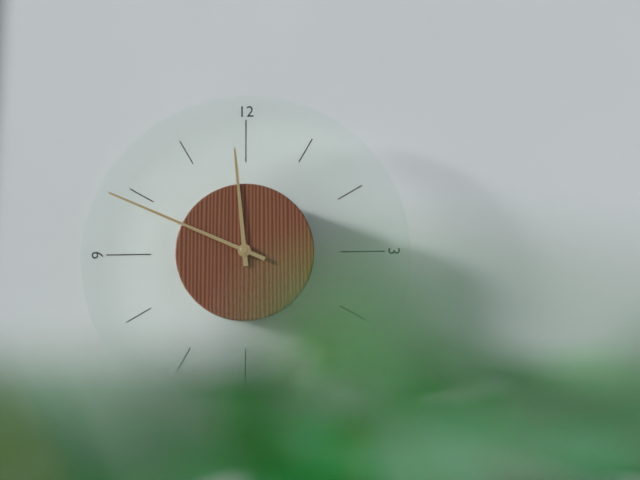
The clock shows **11:49**
